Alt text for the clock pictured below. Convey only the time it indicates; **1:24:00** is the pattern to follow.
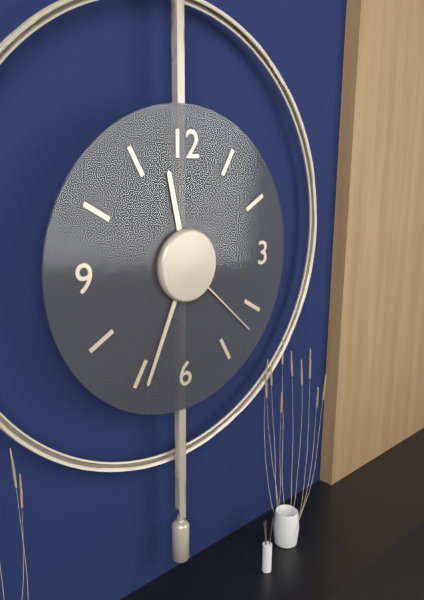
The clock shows **11:34:22**
